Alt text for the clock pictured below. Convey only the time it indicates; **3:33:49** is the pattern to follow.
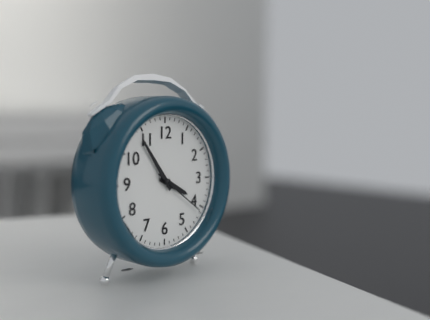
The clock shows **3:54:21**
